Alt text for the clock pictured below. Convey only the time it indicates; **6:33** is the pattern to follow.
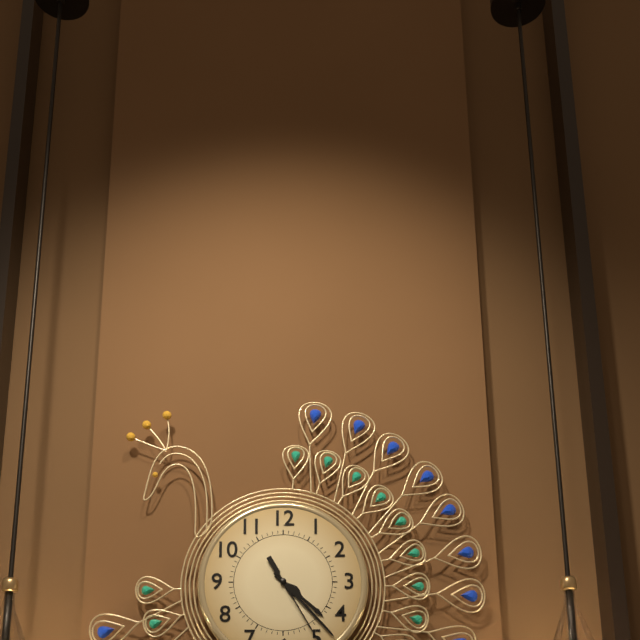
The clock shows **4:23**
